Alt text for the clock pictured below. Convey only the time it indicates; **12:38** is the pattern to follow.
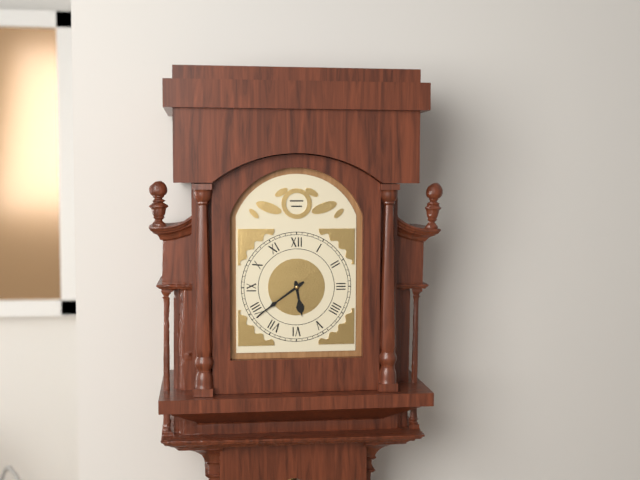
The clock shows **5:39**
